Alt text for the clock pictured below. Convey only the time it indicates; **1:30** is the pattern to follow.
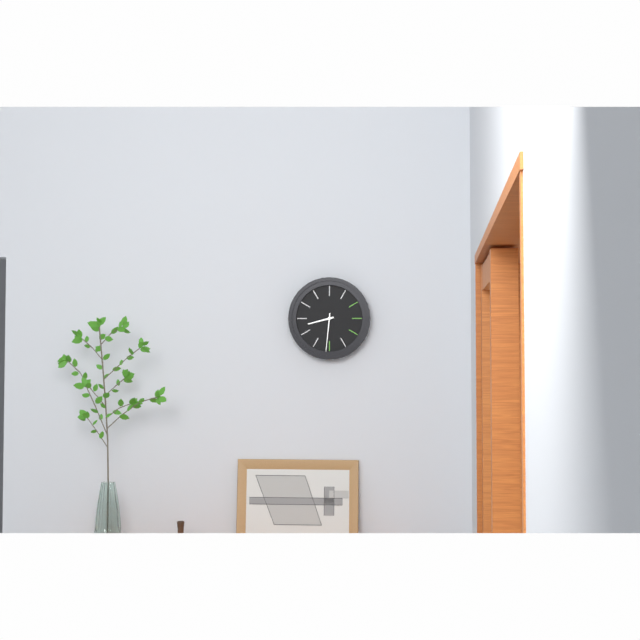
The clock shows **8:31**
